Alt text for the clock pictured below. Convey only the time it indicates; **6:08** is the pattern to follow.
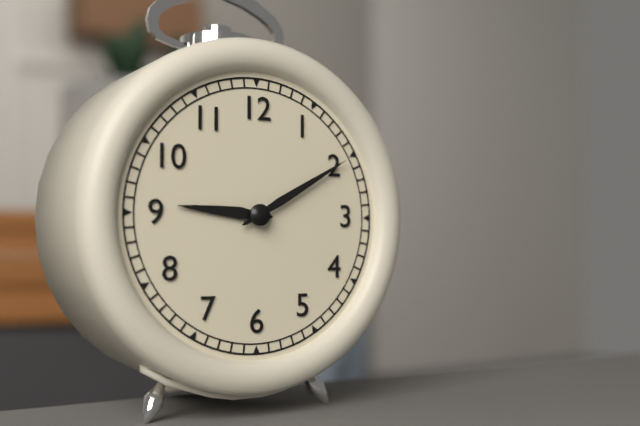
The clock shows **9:10**
